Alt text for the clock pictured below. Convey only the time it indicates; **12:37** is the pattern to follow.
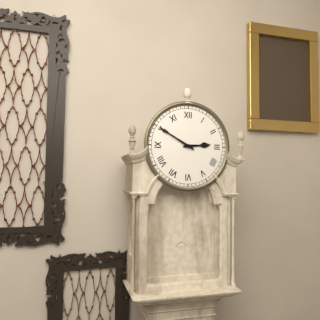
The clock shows **2:50**
